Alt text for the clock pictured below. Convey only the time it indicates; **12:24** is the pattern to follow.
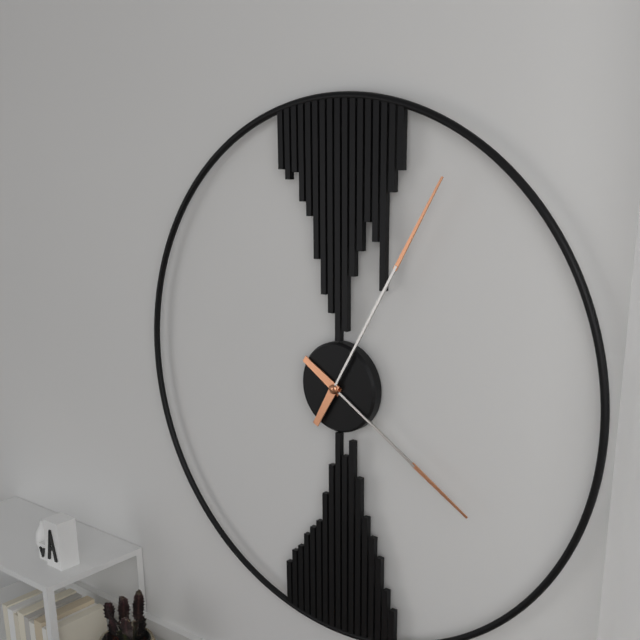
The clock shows **4:05**
